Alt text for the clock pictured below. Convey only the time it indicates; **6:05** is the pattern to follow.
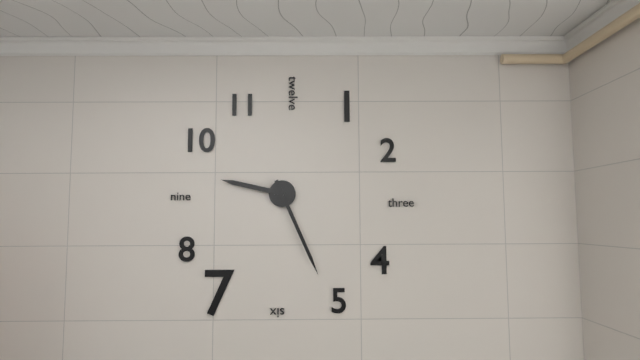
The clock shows **9:26**
